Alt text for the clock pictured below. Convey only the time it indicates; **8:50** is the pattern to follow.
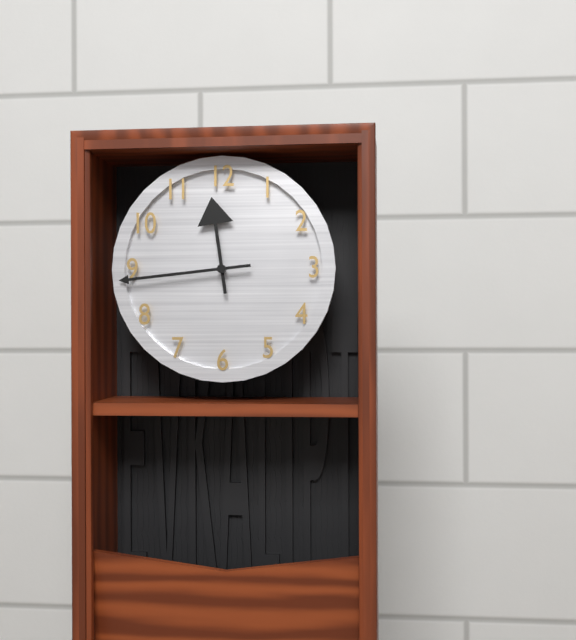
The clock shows **11:44**
